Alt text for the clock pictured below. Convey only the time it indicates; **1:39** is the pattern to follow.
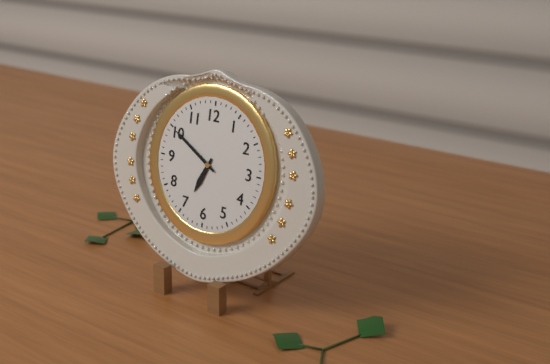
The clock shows **6:50**
